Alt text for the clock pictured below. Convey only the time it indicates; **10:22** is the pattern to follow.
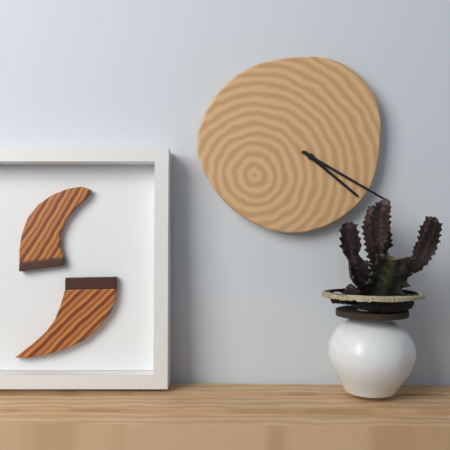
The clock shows **4:20**
